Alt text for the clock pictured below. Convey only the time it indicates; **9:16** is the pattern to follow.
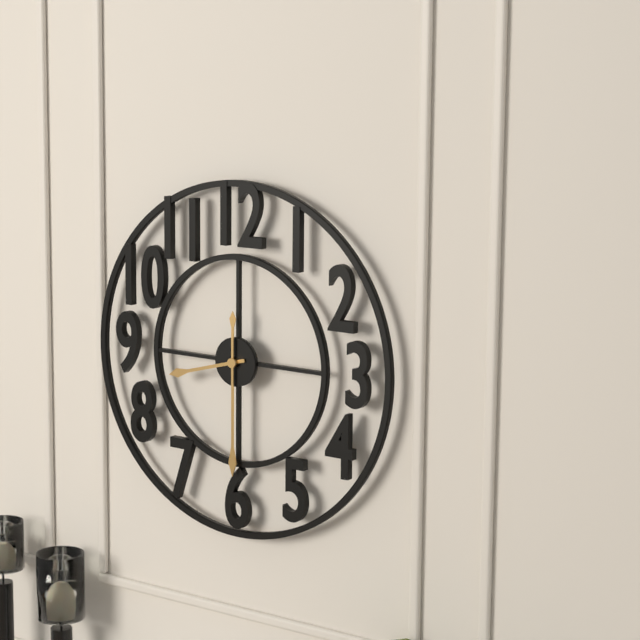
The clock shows **8:30**
